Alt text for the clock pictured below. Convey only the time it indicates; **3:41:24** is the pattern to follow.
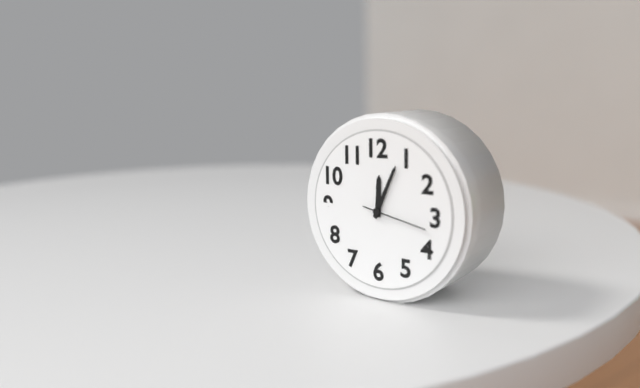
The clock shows **12:04:17**
